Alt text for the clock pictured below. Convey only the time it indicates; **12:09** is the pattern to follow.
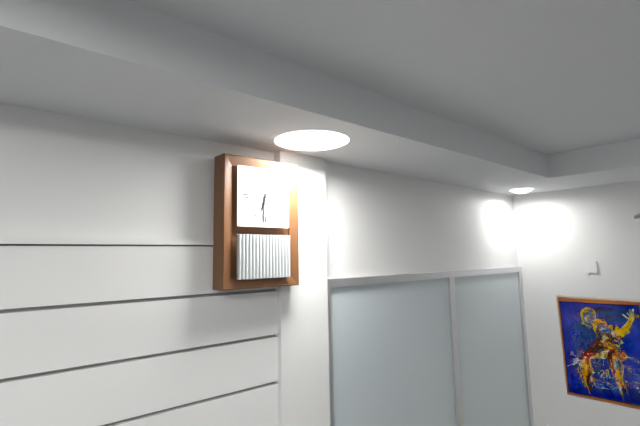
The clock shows **6:31**
